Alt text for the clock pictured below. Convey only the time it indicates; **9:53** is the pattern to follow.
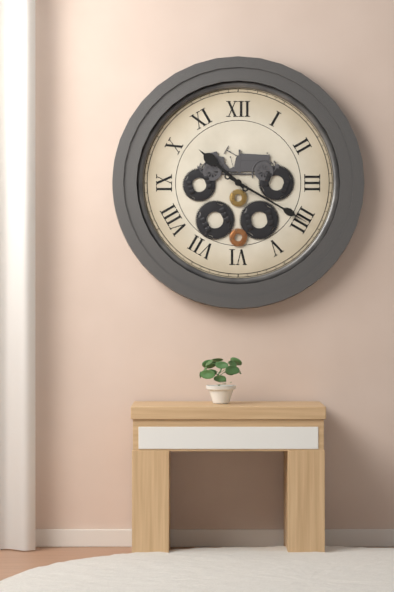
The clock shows **10:20**
